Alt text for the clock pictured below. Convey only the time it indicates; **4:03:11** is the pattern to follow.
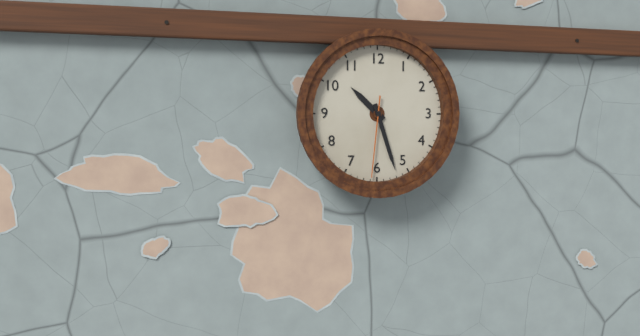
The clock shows **10:27:31**
